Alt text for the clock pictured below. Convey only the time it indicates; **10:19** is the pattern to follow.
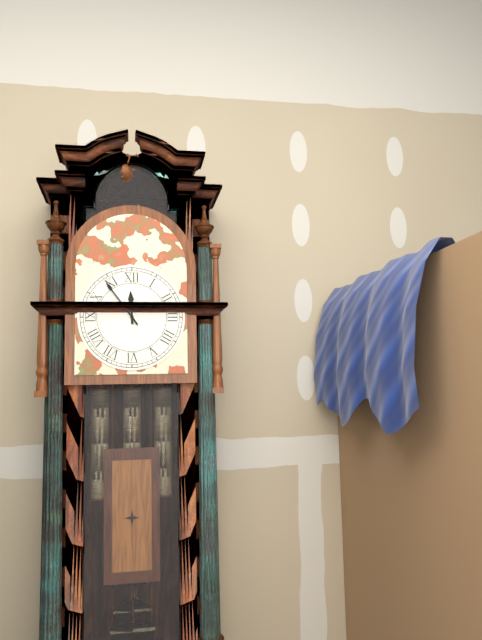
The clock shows **11:54**
